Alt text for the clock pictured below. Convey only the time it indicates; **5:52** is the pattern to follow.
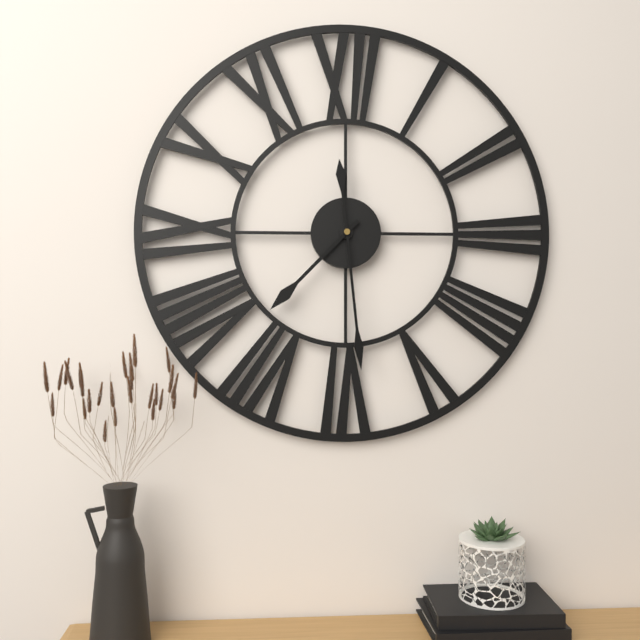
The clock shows **7:29**
